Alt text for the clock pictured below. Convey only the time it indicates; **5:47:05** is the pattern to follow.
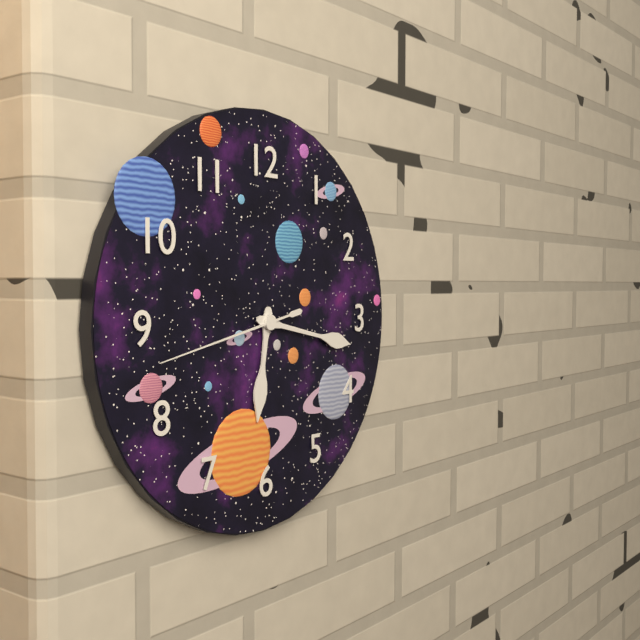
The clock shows **6:17:43**
